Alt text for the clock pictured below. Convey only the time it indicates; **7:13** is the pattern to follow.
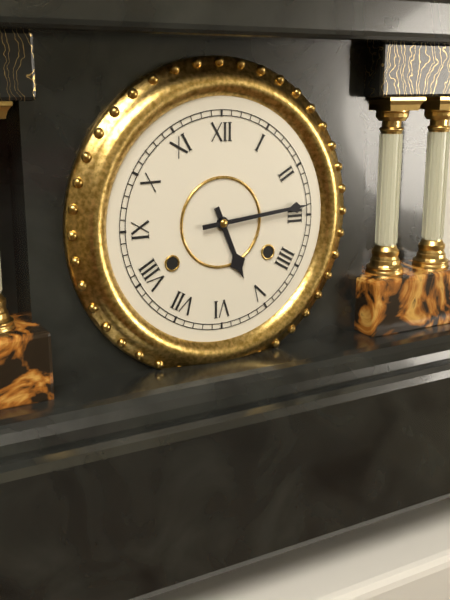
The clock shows **5:14**
